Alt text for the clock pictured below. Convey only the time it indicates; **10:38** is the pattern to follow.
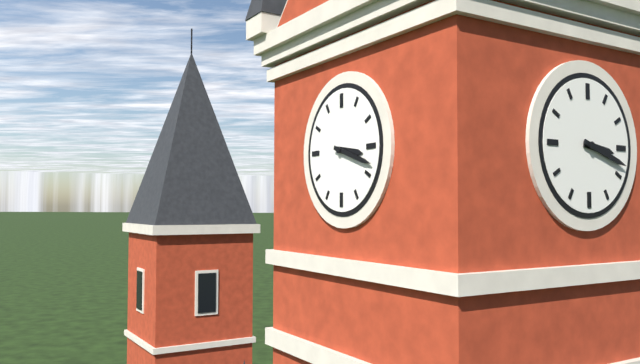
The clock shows **3:18**
